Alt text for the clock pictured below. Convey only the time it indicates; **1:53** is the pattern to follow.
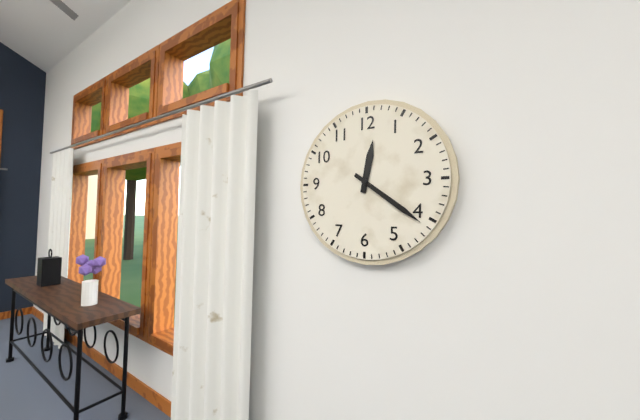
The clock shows **12:21**
